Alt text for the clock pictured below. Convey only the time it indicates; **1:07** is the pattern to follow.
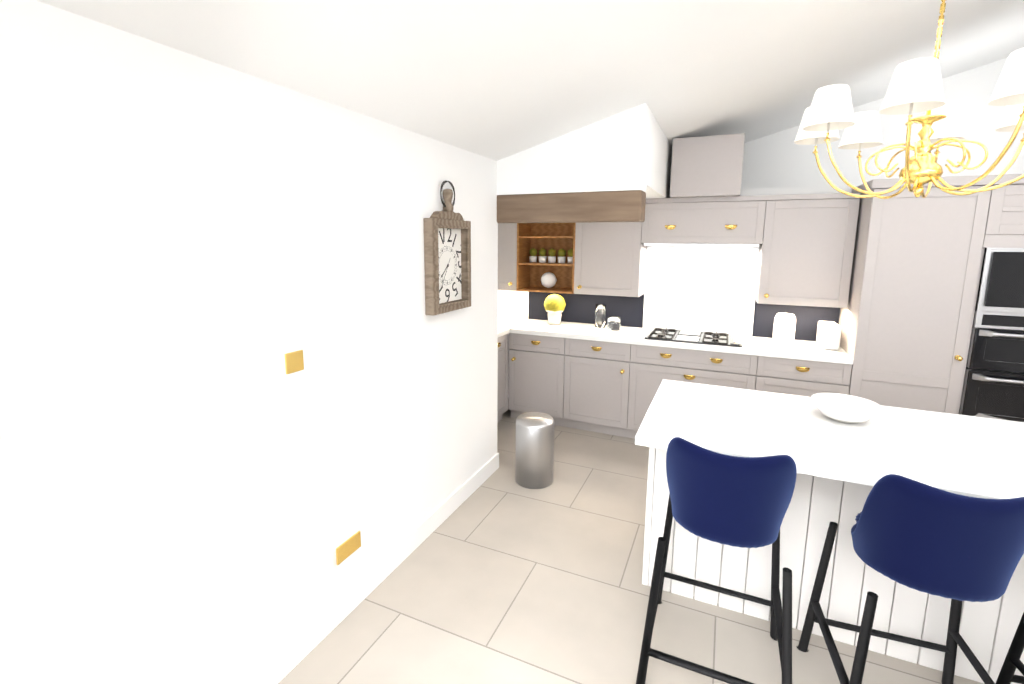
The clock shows **7:35**
